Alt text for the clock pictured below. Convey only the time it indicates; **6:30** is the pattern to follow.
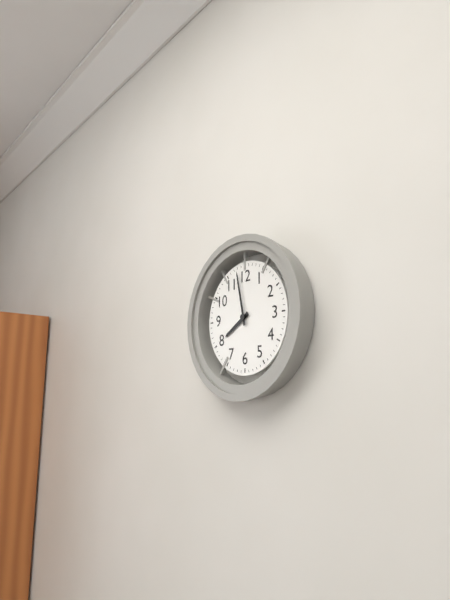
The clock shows **7:58**
